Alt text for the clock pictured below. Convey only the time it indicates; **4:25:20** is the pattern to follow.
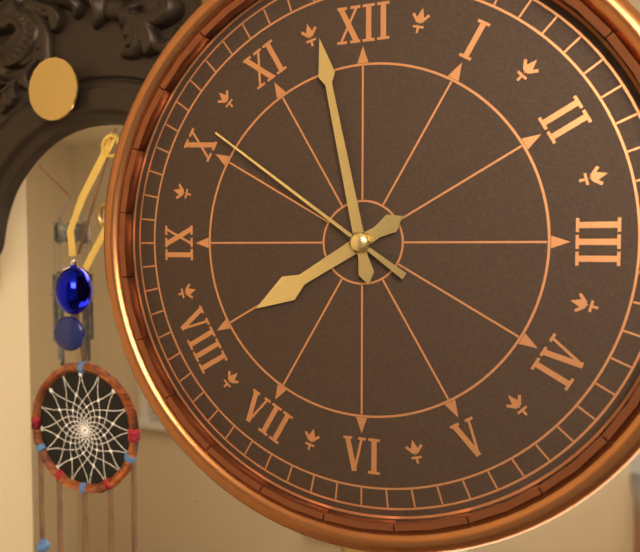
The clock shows **7:58:51**
